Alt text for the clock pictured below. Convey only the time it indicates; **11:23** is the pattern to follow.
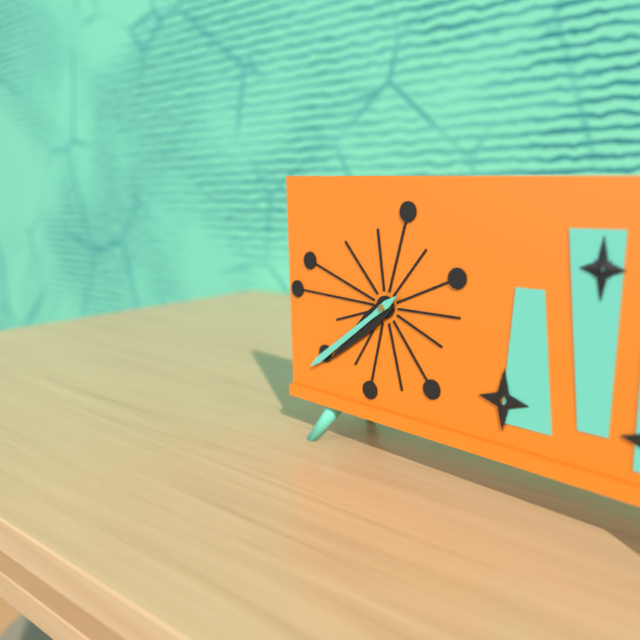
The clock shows **7:39**
